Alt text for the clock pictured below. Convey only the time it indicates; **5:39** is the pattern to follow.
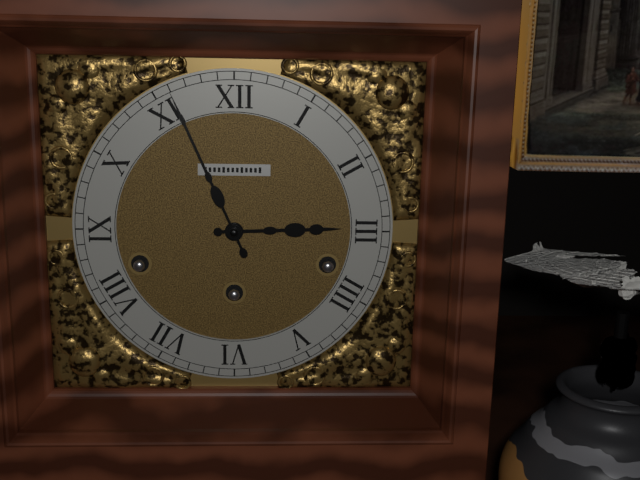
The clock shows **2:56**
